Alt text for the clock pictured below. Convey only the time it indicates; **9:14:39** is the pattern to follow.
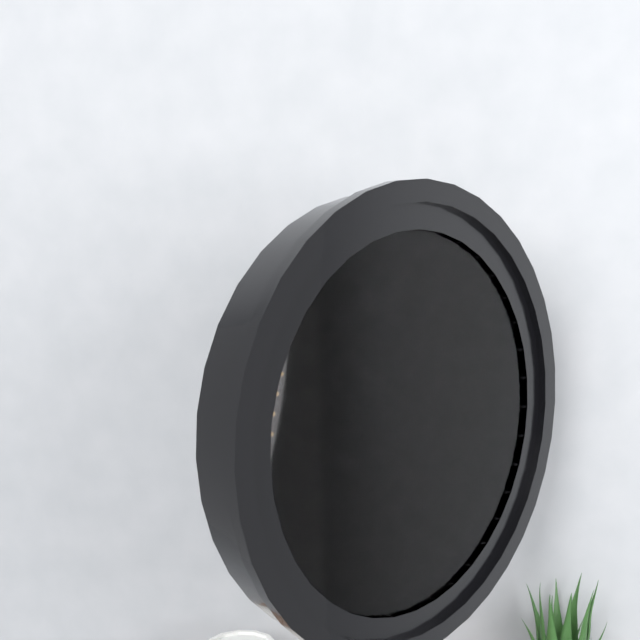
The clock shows **6:58:01**
